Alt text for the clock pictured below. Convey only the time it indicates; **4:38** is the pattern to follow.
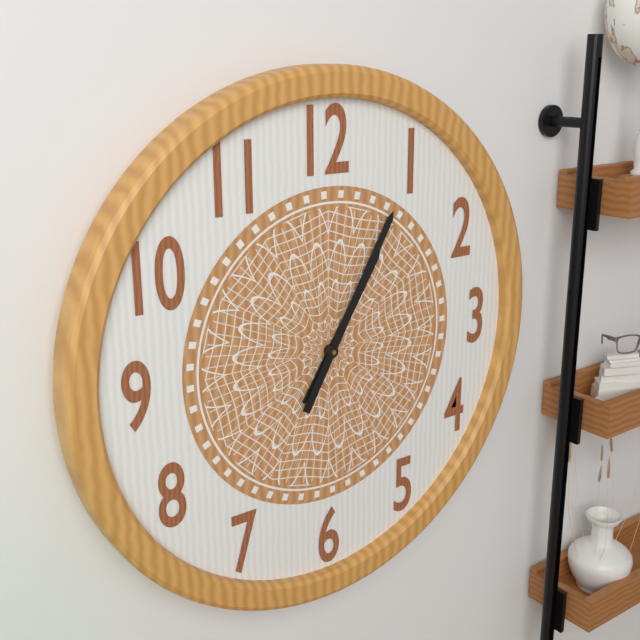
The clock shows **1:05**
